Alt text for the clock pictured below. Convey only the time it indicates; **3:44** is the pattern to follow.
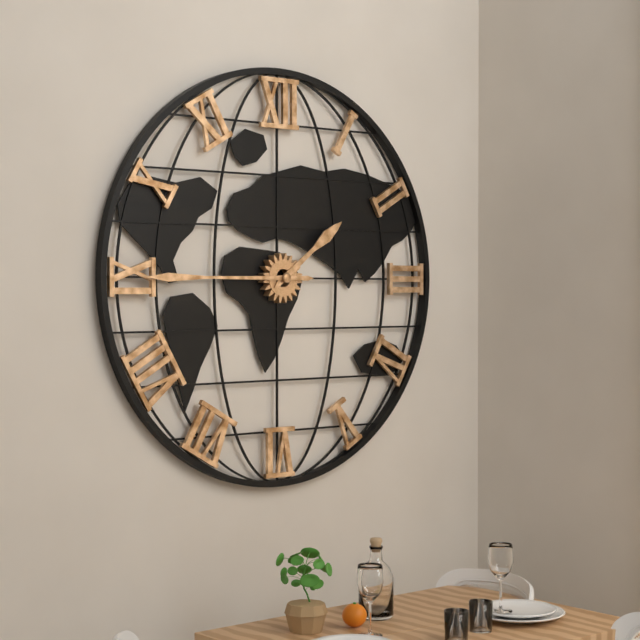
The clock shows **1:45**
